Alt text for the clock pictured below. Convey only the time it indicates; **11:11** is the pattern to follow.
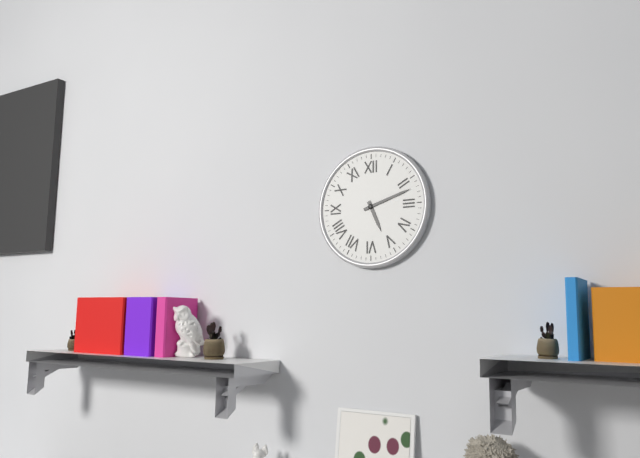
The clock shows **5:12**
